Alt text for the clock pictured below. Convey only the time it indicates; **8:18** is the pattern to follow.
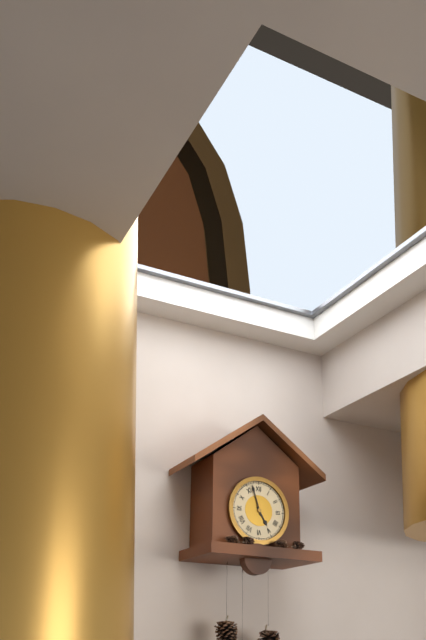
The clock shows **4:57**
